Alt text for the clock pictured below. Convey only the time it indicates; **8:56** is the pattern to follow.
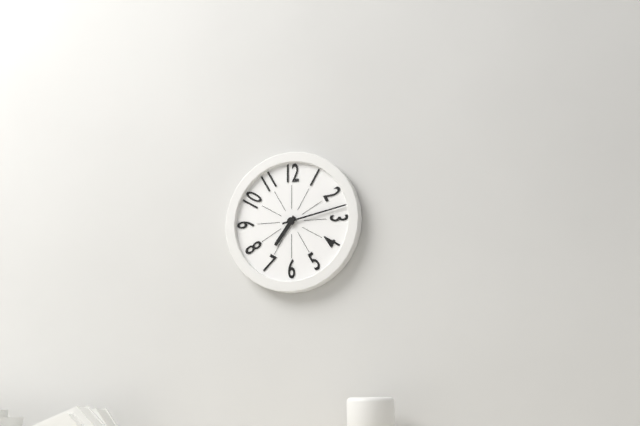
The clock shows **7:13**
